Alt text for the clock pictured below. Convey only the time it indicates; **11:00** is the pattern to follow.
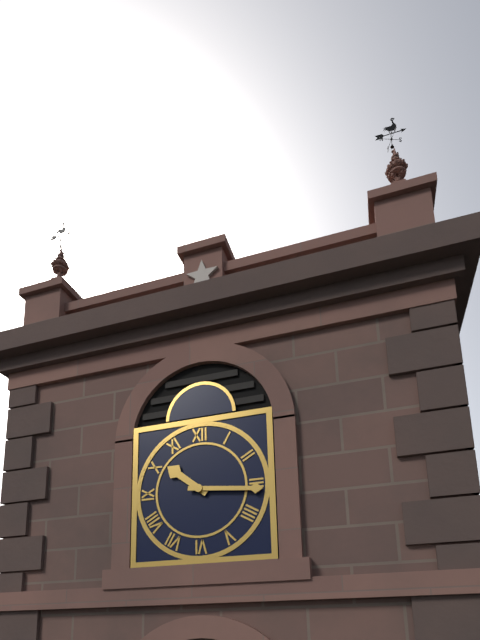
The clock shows **10:16**
